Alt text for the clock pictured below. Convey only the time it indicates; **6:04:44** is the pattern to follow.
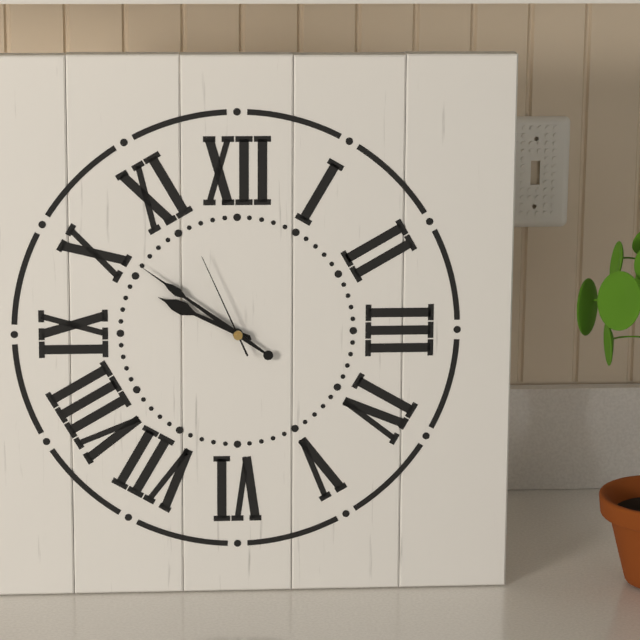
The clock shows **9:51:56**
